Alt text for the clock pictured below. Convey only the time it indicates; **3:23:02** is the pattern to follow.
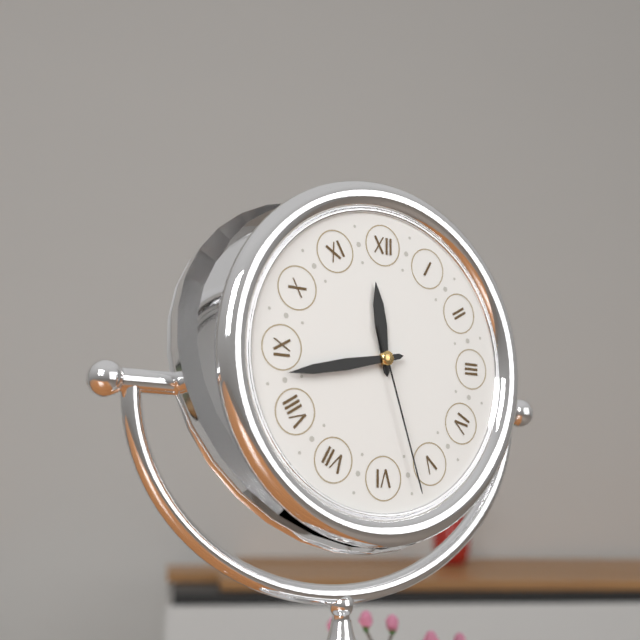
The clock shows **11:43:27**
